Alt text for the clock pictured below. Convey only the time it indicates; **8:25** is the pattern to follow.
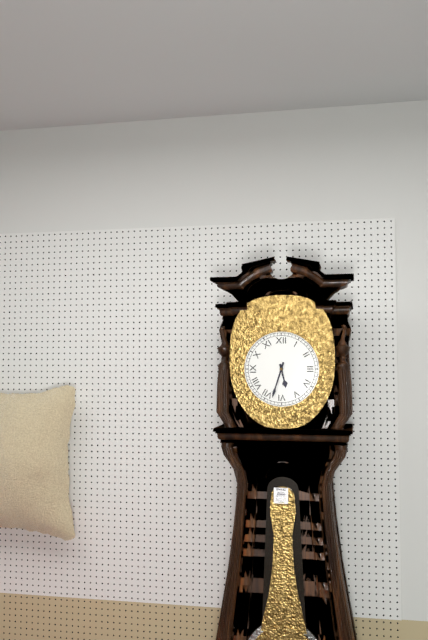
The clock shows **5:33**
